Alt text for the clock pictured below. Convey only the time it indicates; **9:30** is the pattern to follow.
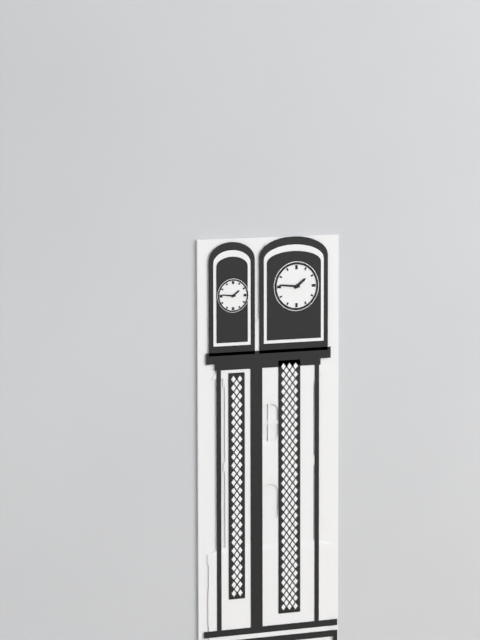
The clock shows **1:46**
